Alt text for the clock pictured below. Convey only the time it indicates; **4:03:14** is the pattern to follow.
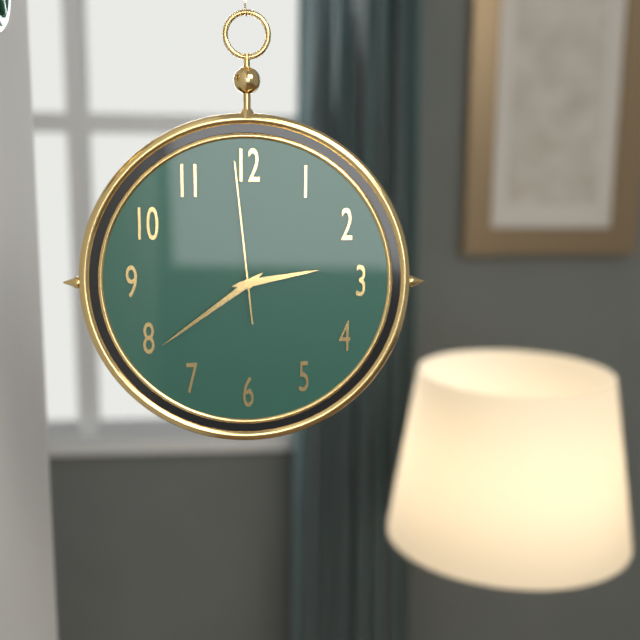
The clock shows **2:39:59**
